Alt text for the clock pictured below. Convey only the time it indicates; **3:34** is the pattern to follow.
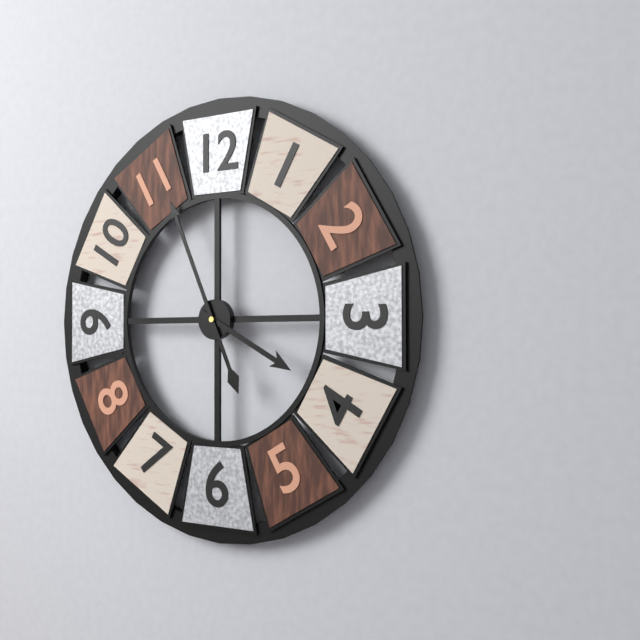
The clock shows **3:56**
